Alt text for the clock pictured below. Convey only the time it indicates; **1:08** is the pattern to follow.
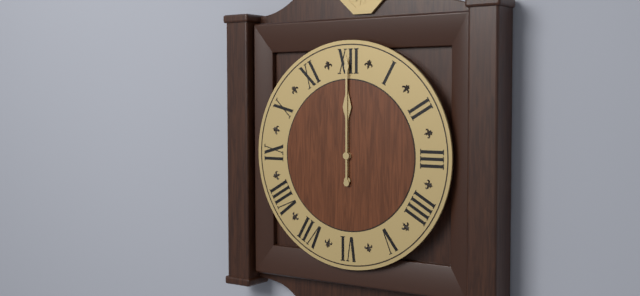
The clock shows **12:00**
